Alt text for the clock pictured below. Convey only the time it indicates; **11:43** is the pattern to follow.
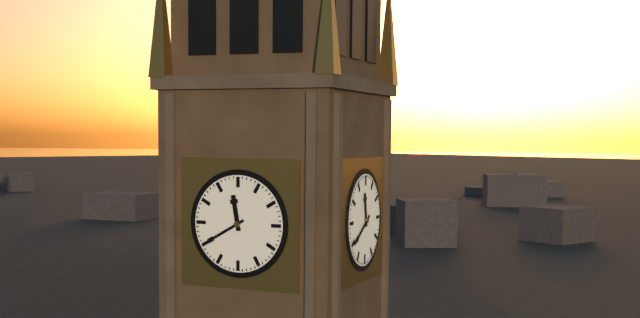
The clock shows **11:40**
